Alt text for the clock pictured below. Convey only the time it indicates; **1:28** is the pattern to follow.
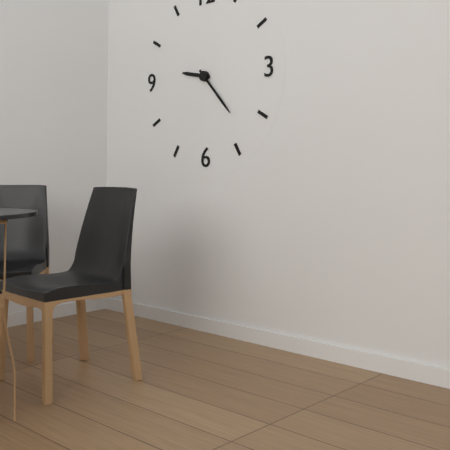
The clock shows **9:23**
